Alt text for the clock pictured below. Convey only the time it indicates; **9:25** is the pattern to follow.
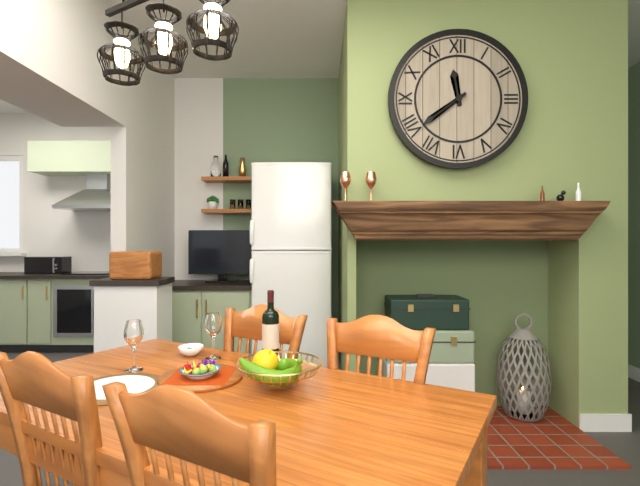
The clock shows **11:39**
